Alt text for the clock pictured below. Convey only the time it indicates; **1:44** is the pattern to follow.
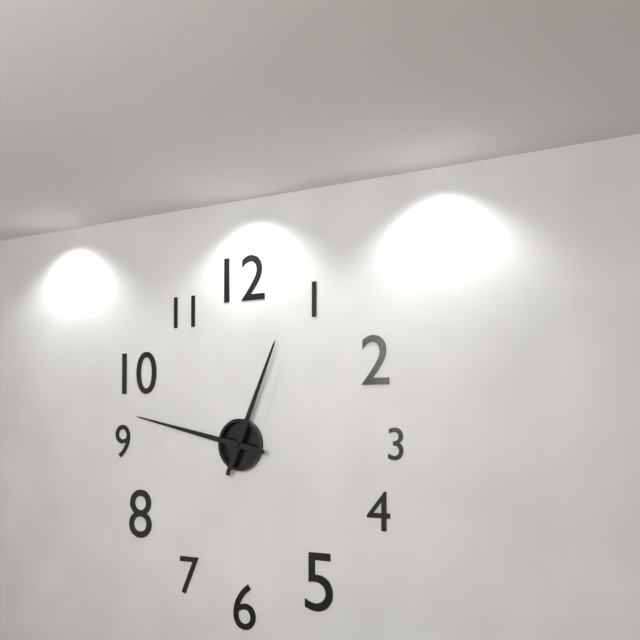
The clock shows **12:47**
